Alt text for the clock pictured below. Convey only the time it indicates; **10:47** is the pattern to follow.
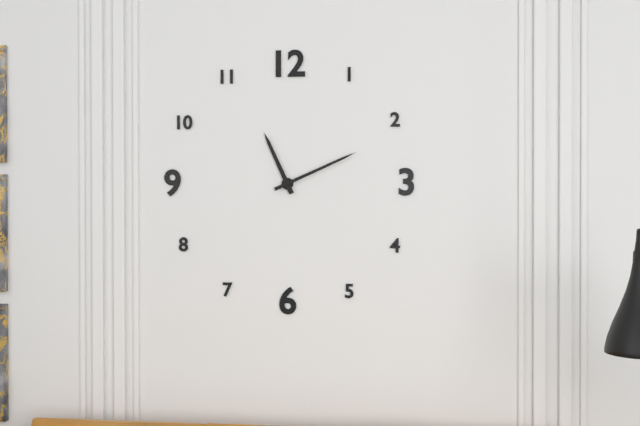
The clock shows **11:11**
